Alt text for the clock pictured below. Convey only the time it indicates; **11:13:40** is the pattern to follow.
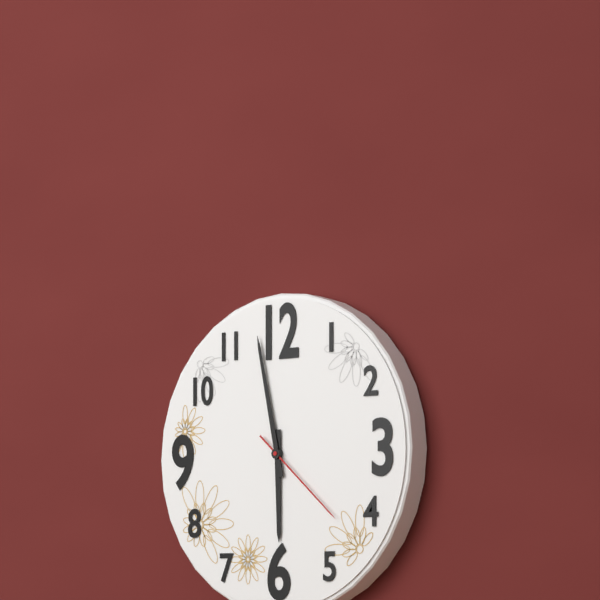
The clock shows **5:58:22**
